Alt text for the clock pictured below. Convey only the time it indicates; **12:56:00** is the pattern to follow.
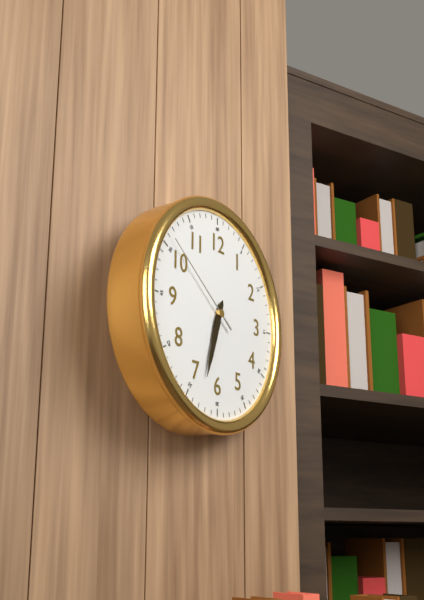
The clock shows **6:33:51**
